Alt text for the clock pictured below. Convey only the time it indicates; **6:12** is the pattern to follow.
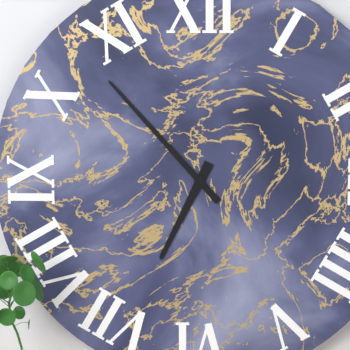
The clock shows **6:53**
